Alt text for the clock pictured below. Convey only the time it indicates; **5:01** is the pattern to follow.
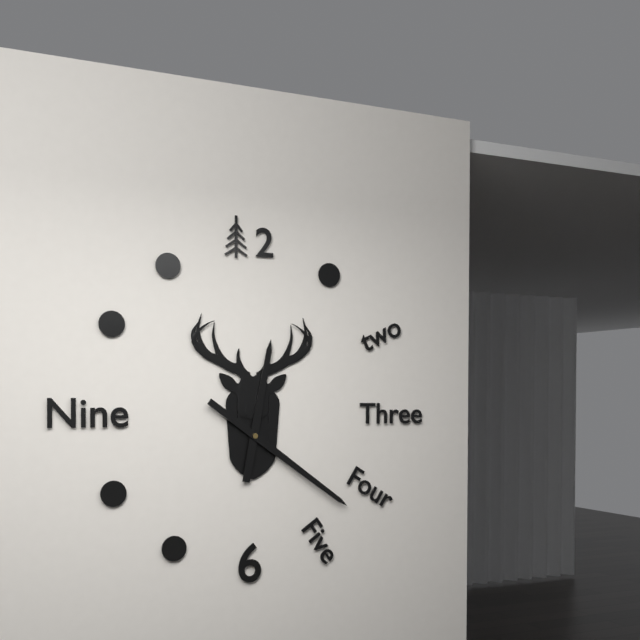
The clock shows **12:21**
